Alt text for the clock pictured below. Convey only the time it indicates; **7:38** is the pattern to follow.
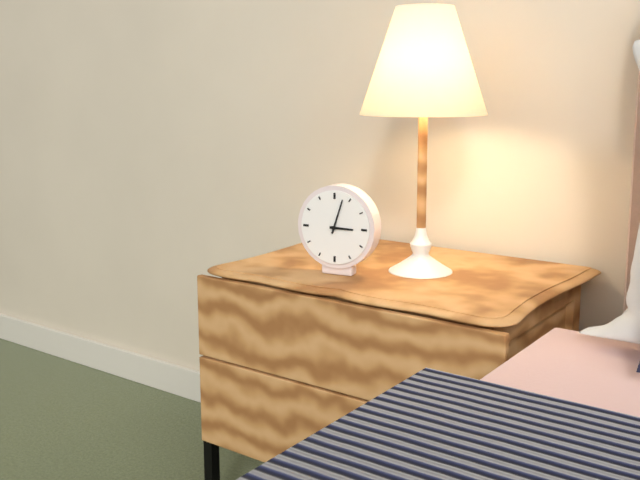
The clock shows **3:03**
